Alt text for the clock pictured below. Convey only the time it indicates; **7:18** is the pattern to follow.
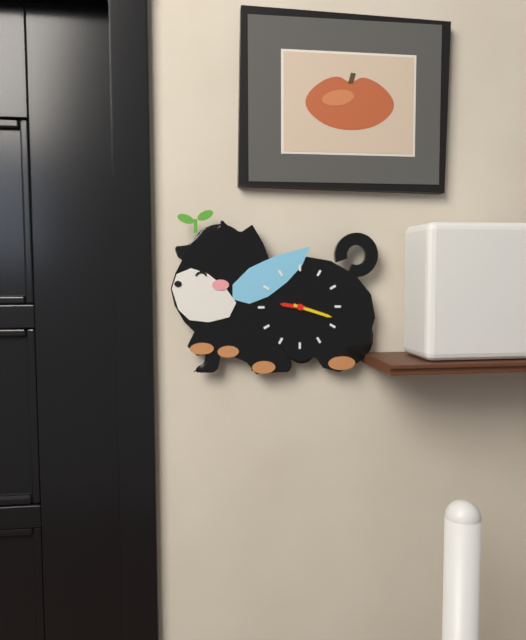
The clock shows **9:18**
